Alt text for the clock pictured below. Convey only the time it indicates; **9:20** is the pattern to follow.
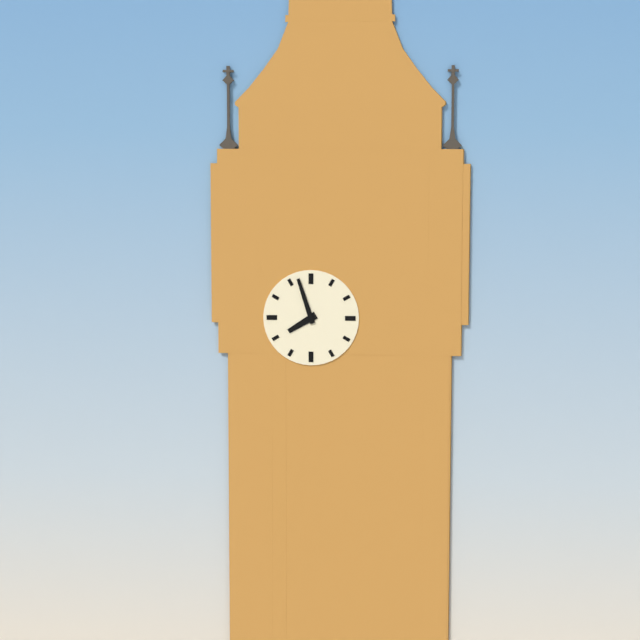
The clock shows **7:57**
